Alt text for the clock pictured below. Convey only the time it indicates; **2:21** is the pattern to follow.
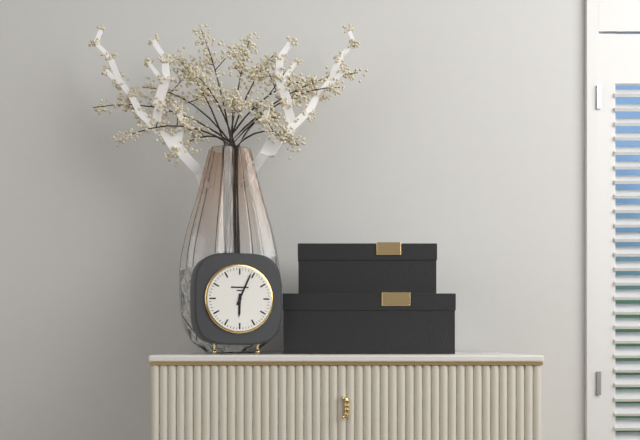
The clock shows **6:04**
